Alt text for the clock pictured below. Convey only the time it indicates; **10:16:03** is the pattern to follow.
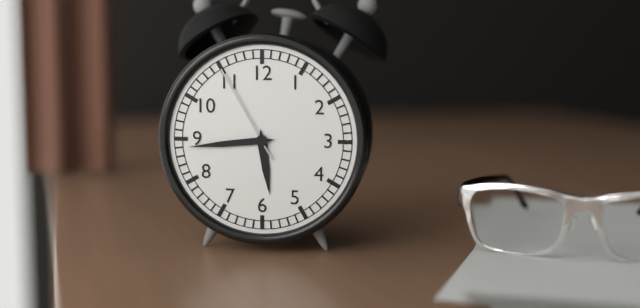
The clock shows **5:44:55**
